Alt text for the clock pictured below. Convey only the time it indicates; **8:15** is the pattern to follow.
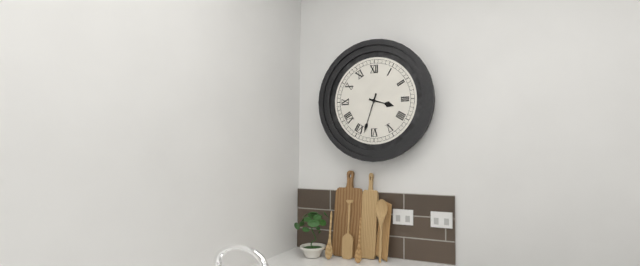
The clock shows **3:33**
